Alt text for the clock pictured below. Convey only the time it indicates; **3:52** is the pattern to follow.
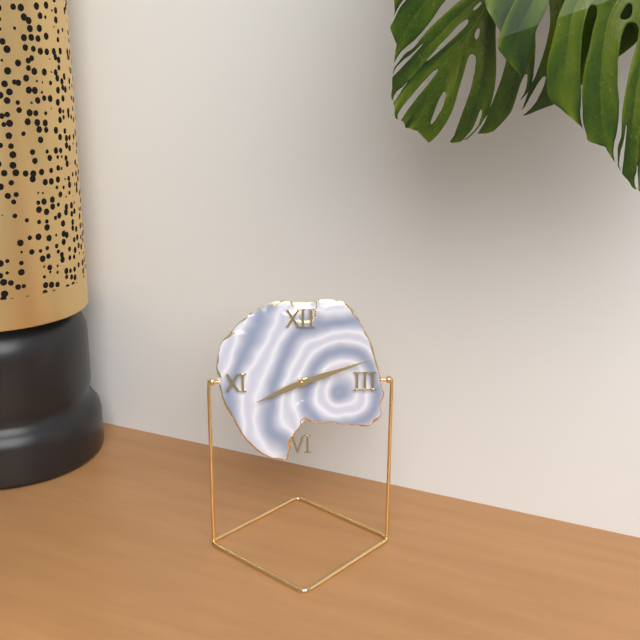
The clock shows **8:12**
